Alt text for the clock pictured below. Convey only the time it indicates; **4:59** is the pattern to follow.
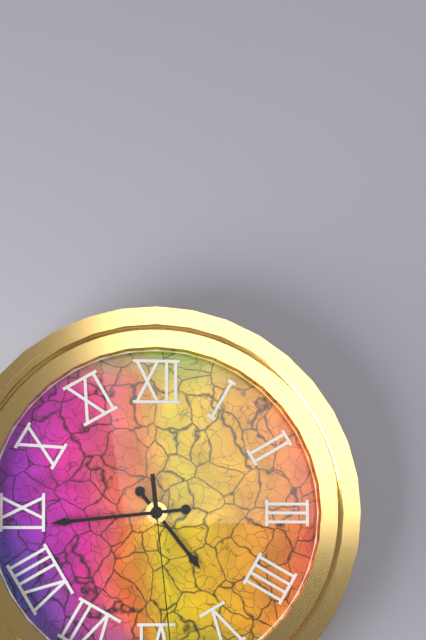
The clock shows **4:44**
